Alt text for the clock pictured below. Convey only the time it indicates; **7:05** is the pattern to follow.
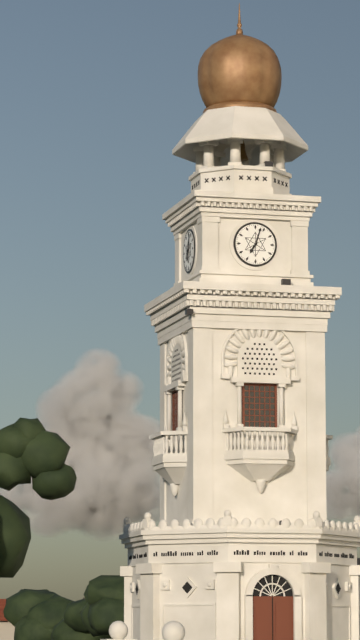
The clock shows **7:03**
